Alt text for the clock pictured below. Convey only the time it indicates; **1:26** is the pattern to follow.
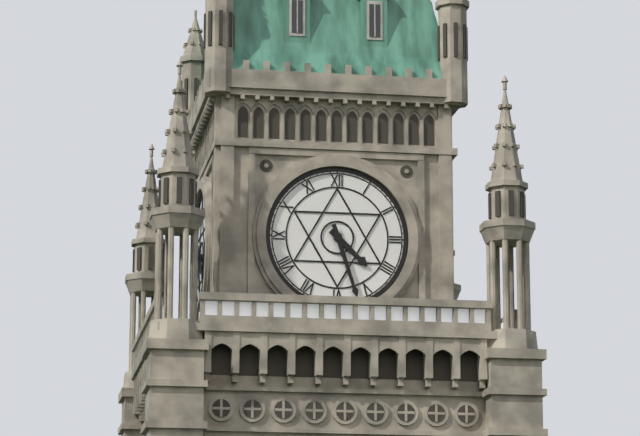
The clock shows **4:27**
